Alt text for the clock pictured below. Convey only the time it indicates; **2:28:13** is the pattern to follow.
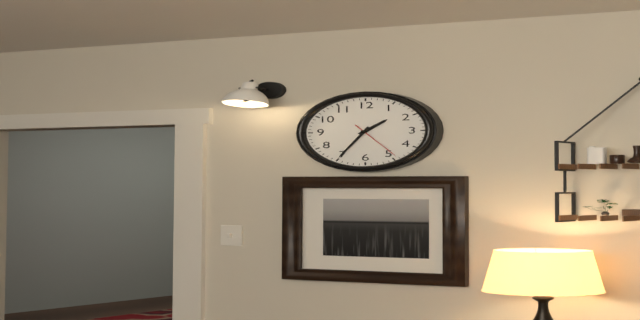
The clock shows **1:35:24**
